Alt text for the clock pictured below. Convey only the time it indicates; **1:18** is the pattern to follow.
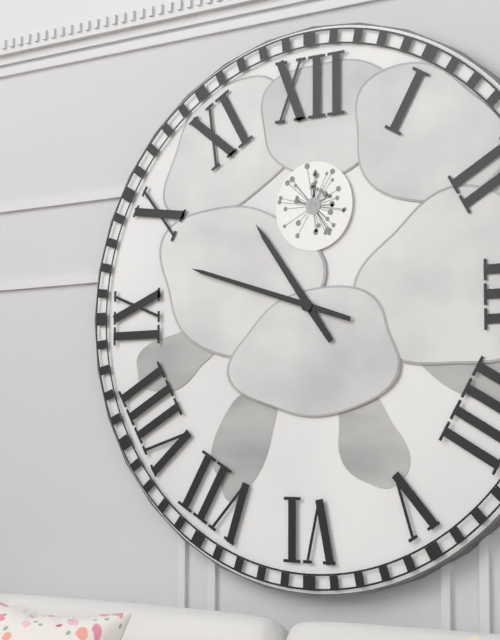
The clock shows **10:48**
